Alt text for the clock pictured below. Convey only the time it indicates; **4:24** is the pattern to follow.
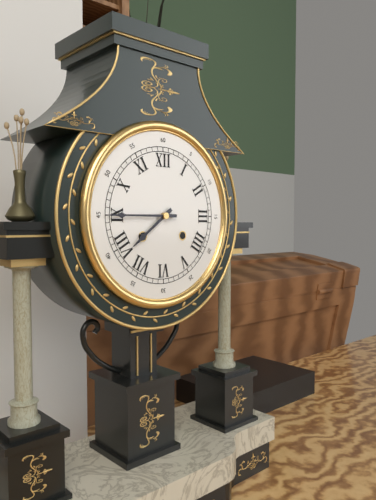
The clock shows **7:45**
